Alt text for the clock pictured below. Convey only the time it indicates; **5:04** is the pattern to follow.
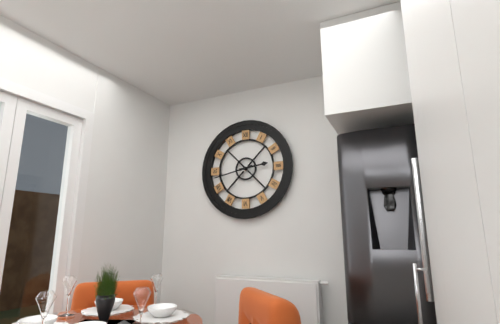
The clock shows **2:43**
